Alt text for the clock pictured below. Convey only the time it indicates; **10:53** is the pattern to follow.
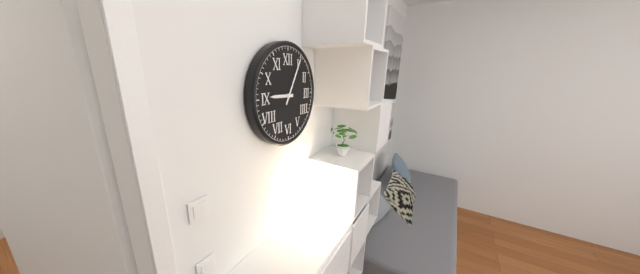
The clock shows **9:05**
